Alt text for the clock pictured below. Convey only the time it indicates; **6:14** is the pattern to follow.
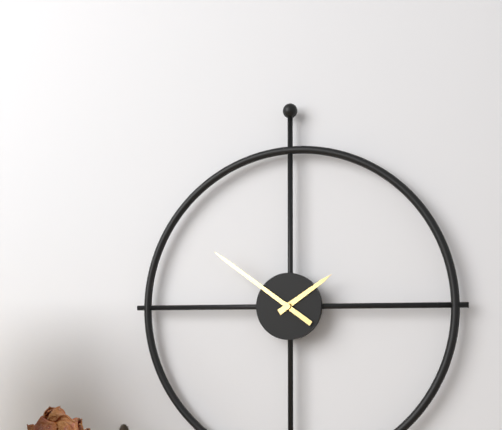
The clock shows **1:51**
